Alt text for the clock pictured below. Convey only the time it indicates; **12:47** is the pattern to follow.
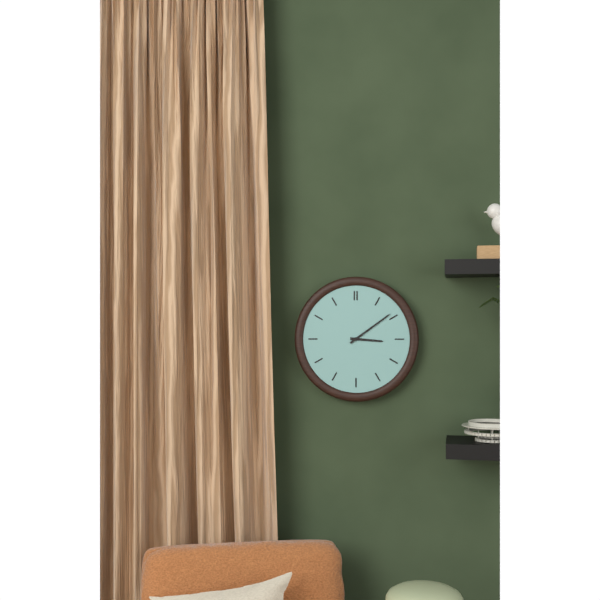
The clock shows **3:09**
